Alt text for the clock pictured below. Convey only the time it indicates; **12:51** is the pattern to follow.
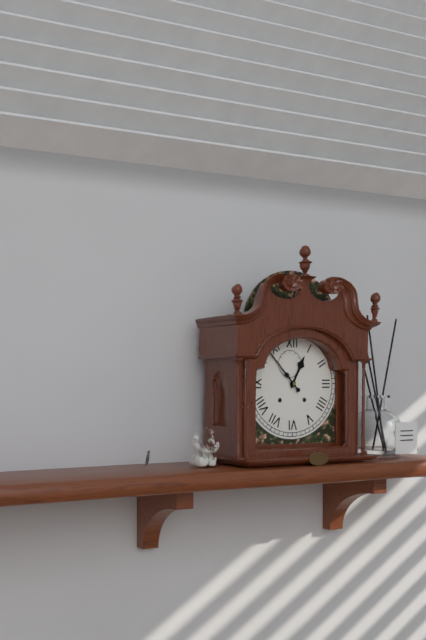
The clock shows **12:53**
